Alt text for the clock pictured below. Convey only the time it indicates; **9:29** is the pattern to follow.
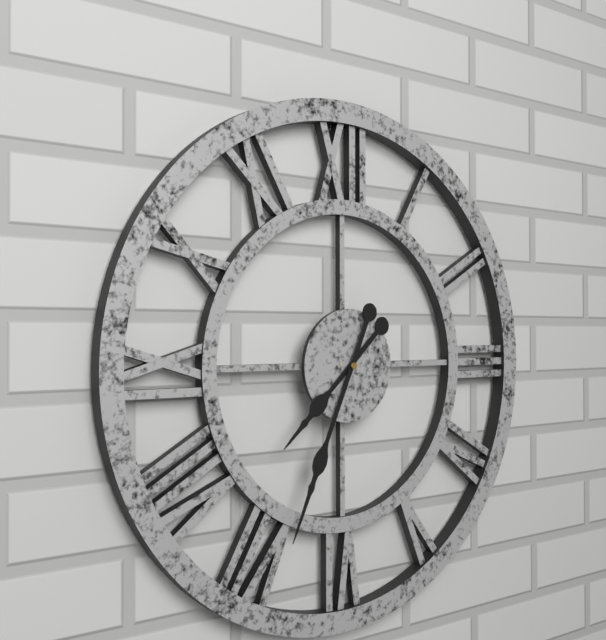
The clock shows **7:34**
